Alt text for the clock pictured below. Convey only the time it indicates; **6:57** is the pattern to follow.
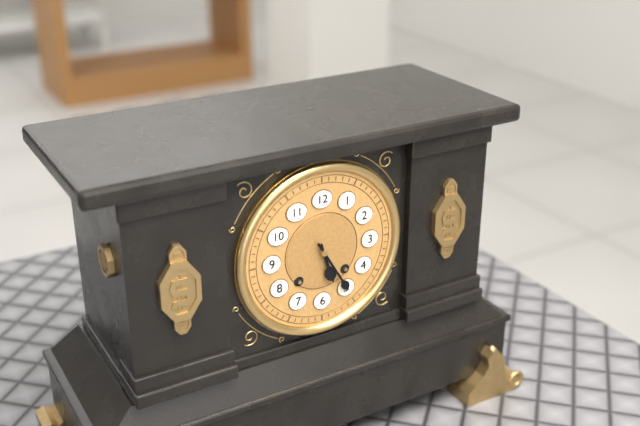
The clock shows **5:25**
